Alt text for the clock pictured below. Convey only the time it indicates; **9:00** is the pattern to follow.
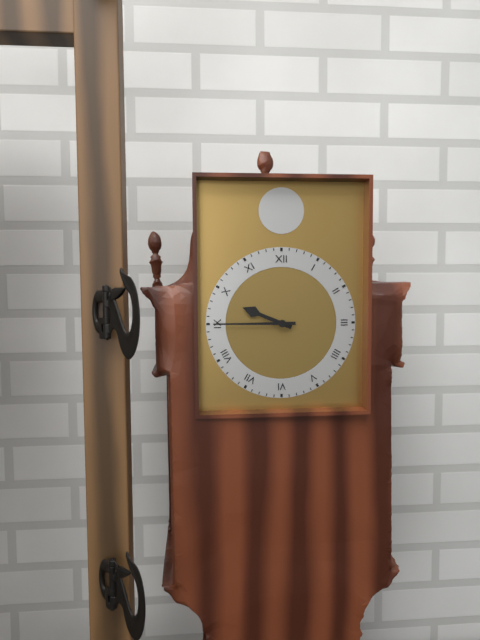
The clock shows **9:45**
